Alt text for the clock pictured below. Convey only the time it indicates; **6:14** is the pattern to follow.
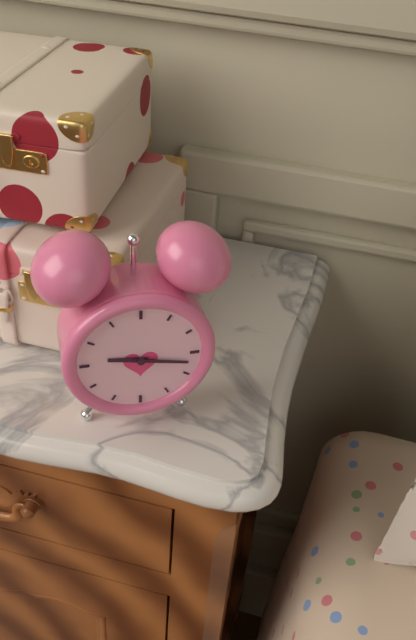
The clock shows **9:17**
